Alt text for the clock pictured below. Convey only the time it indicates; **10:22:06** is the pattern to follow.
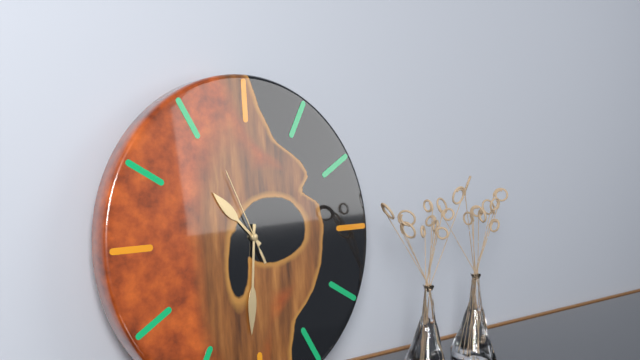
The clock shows **10:31:56**
